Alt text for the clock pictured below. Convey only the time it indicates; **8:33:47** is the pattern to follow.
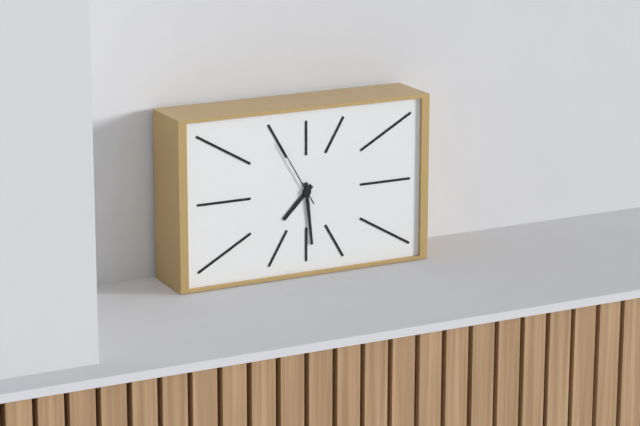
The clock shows **7:29:55**
